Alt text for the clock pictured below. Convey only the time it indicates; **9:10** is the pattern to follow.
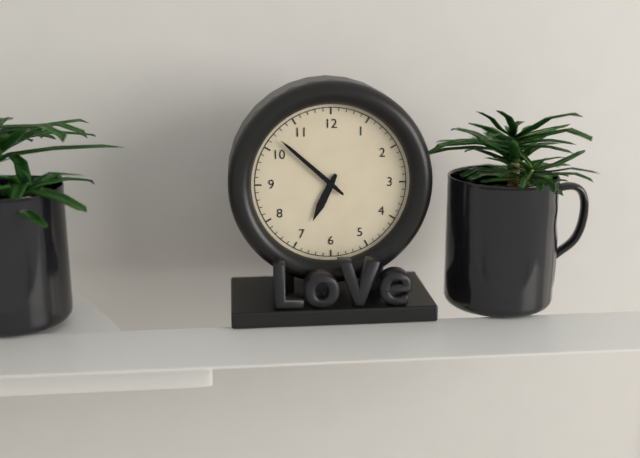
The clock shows **6:52**
